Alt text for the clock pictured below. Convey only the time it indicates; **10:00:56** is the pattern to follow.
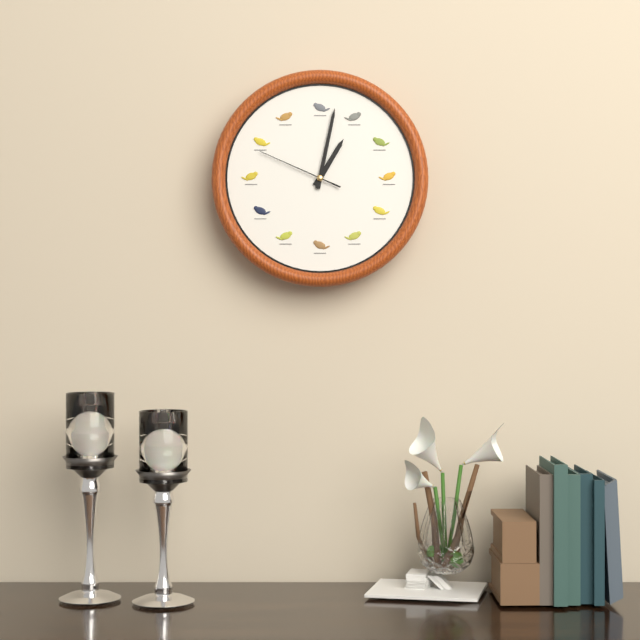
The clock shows **1:02:49**
